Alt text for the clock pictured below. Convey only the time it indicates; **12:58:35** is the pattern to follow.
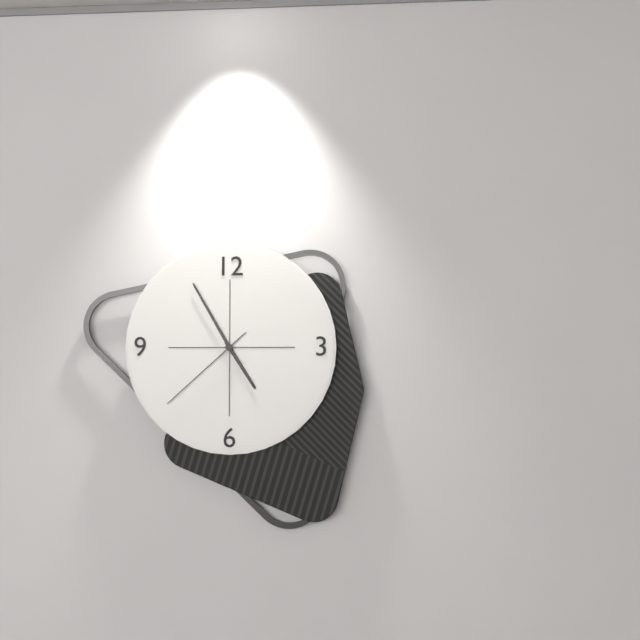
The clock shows **4:55:38**
